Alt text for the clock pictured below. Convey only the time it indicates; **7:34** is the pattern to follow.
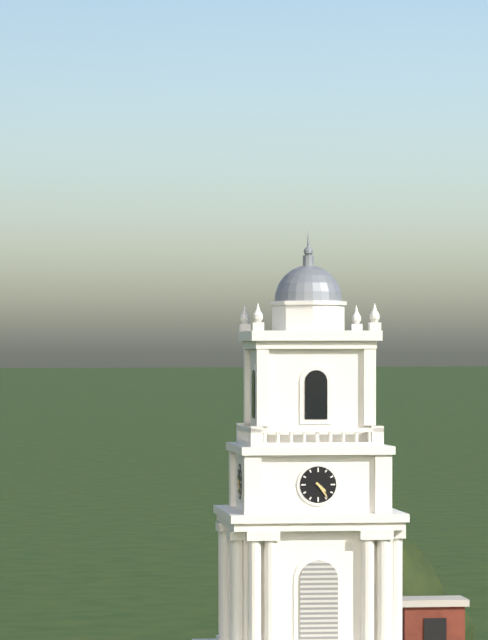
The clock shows **4:24**
